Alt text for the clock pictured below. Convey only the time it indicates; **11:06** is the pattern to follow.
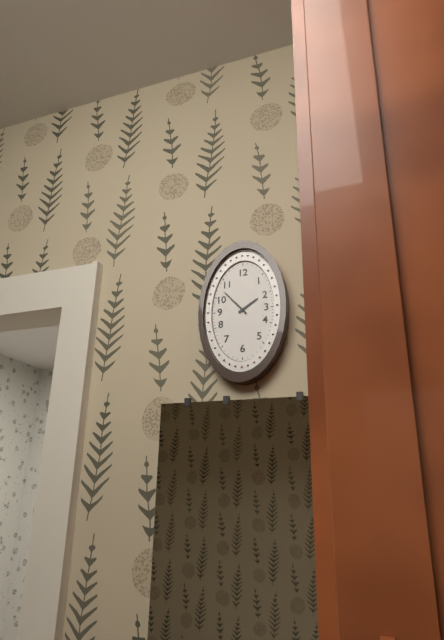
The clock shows **1:53**
